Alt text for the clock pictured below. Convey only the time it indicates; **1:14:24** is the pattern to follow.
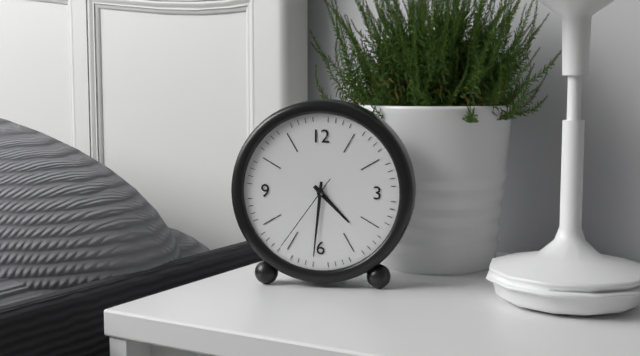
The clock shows **4:31:36**
